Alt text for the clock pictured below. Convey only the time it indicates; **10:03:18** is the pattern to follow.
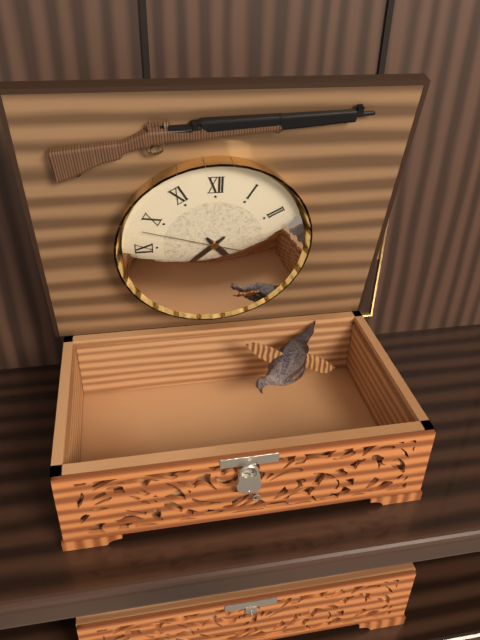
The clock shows **4:38:48**
